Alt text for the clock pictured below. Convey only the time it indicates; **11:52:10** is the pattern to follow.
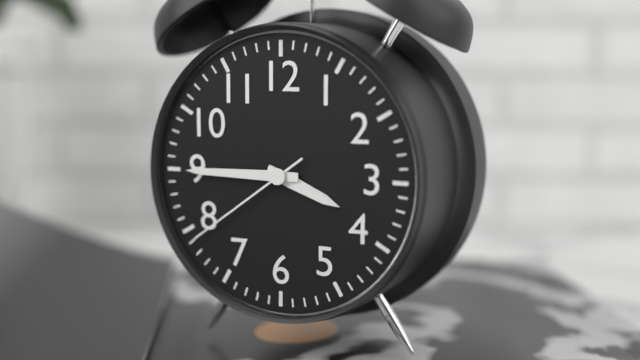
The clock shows **3:45:39**
